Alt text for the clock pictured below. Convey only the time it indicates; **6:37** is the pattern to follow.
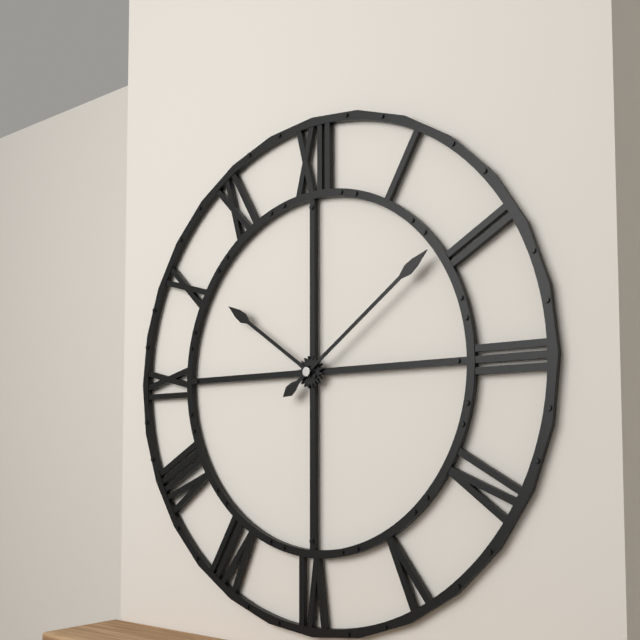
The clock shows **10:09**
